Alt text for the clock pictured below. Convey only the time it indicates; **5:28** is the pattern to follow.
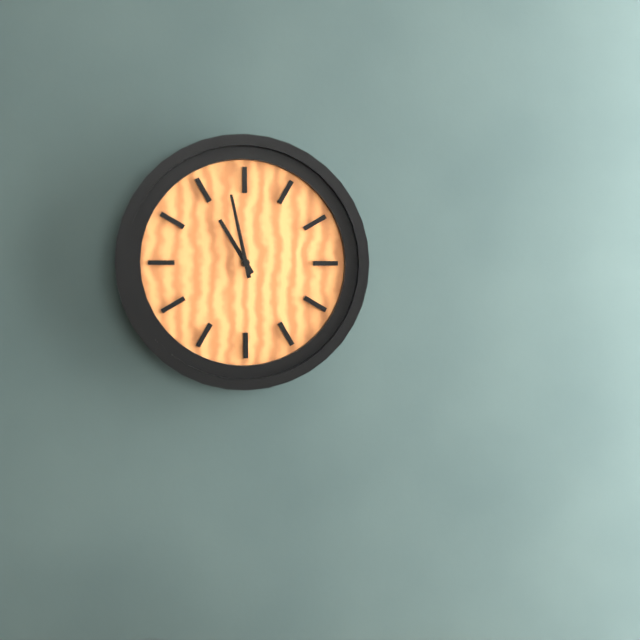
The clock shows **10:58**
